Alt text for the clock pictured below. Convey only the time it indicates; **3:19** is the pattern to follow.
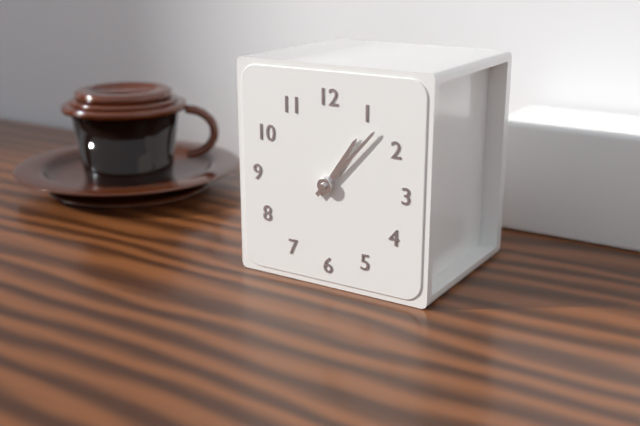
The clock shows **1:07**
